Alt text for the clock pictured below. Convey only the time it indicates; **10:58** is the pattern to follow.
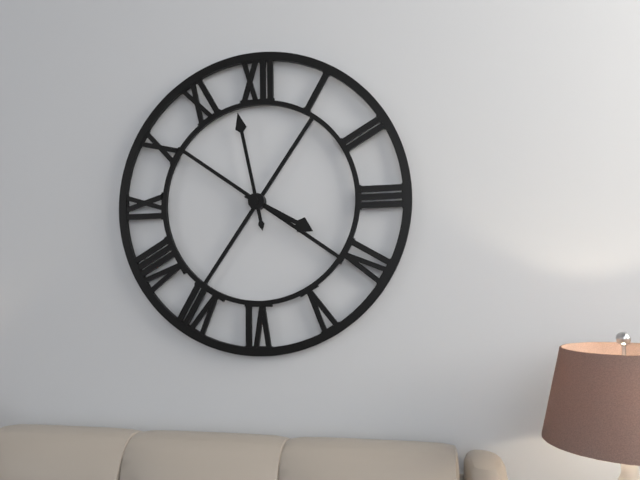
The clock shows **3:58**
